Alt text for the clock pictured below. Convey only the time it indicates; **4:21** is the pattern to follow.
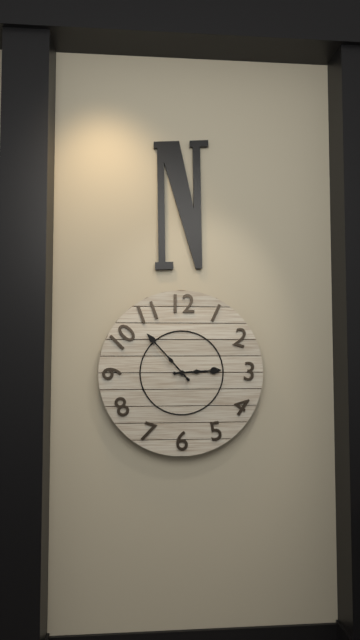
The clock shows **2:53**
